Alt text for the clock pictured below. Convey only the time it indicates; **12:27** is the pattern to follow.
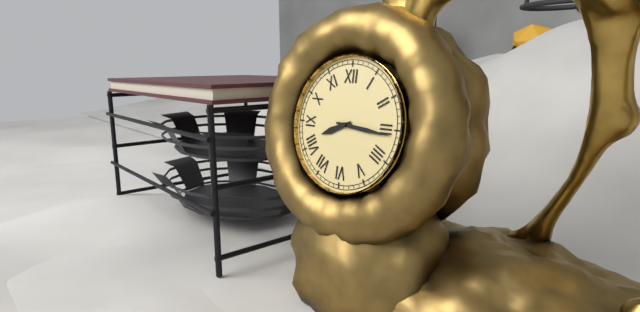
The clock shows **8:16**
